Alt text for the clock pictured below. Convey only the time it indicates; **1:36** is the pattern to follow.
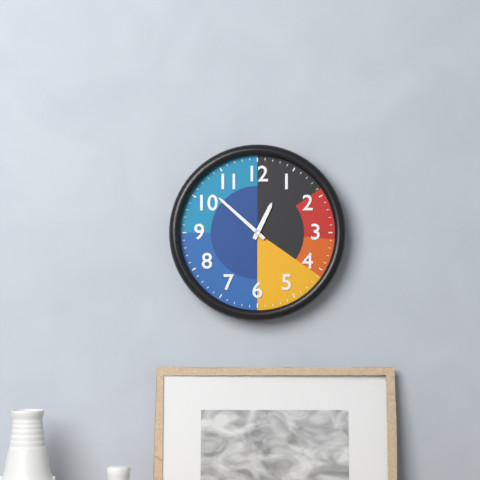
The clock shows **12:52**
